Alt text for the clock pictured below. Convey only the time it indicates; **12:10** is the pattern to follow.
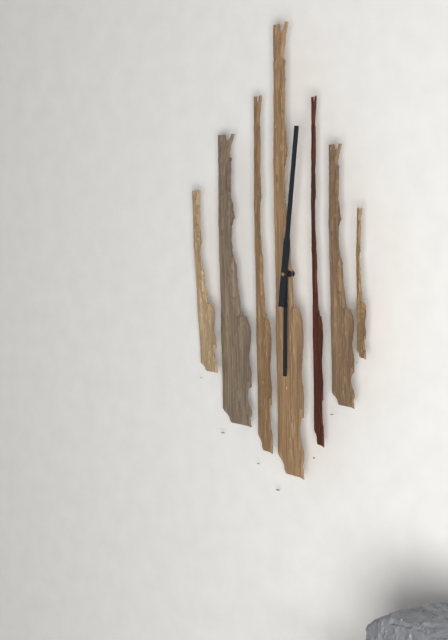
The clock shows **6:01**
